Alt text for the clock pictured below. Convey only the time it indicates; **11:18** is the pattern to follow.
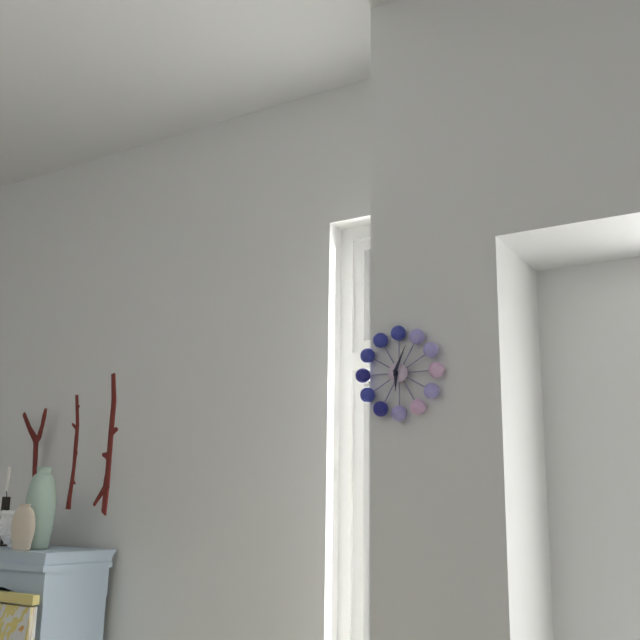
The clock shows **6:04**
